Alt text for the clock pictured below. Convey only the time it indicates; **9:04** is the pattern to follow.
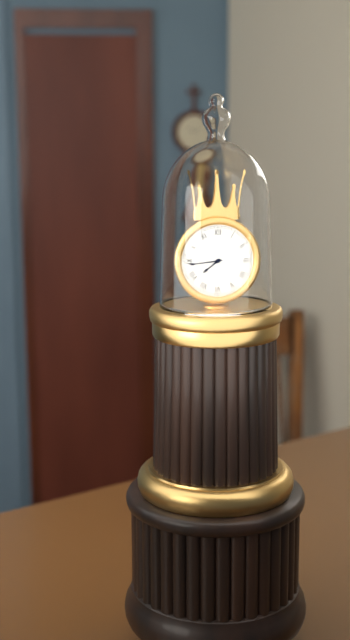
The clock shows **7:44**
